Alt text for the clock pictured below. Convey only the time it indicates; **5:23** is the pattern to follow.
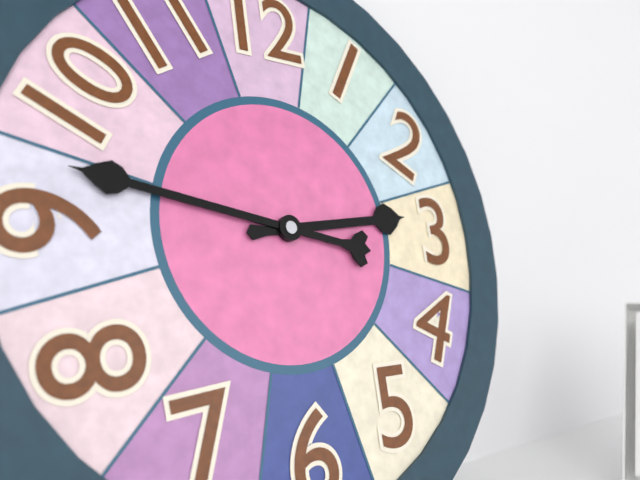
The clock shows **2:47**
